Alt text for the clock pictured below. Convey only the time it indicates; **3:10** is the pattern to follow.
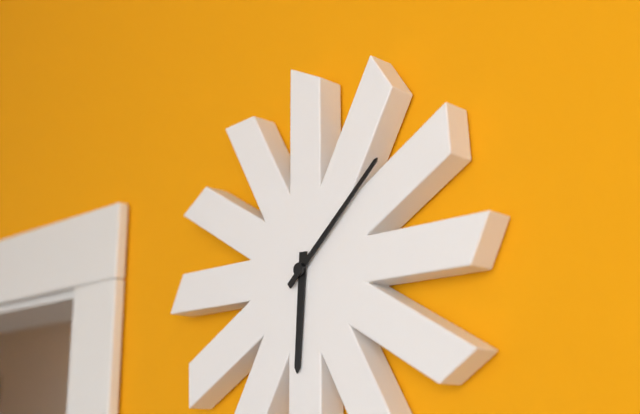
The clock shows **6:08**
